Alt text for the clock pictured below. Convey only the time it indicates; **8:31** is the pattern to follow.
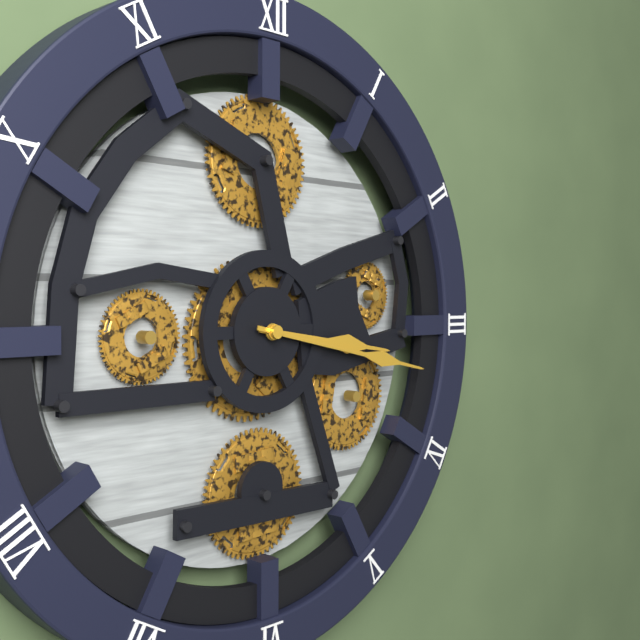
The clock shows **3:17**
